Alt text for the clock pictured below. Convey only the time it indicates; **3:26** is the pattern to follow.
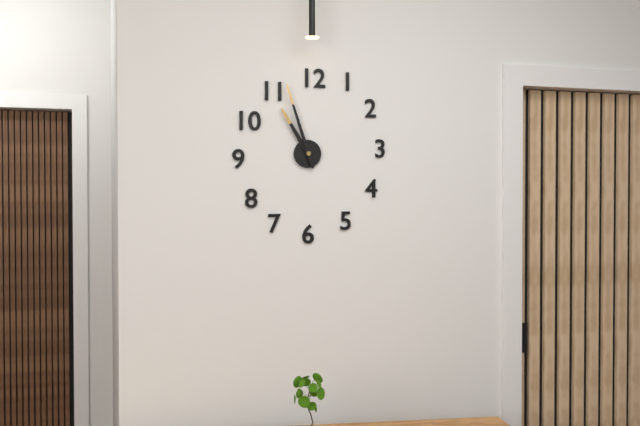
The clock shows **10:57**
